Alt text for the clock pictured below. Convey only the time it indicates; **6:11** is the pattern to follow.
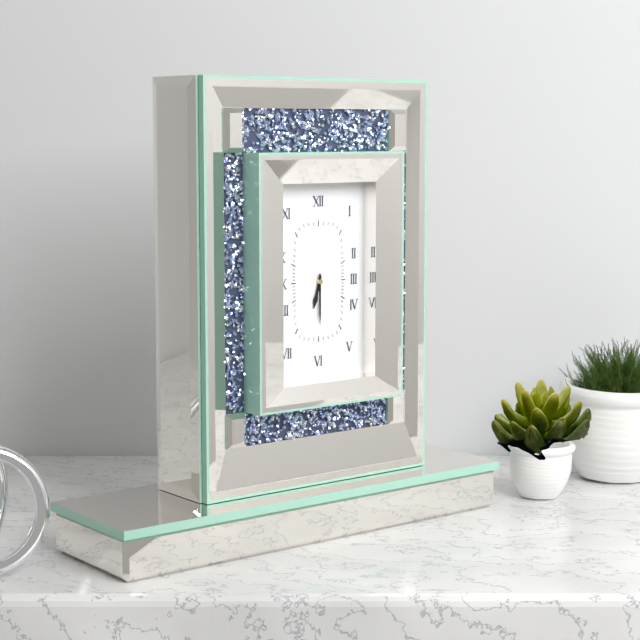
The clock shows **6:30**
